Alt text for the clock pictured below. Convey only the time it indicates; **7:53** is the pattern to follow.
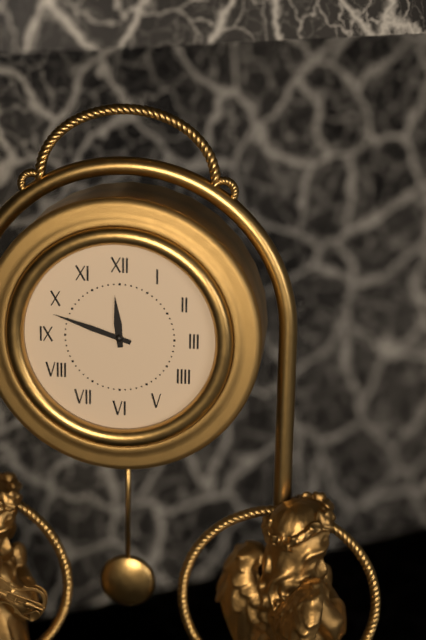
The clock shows **11:48**
